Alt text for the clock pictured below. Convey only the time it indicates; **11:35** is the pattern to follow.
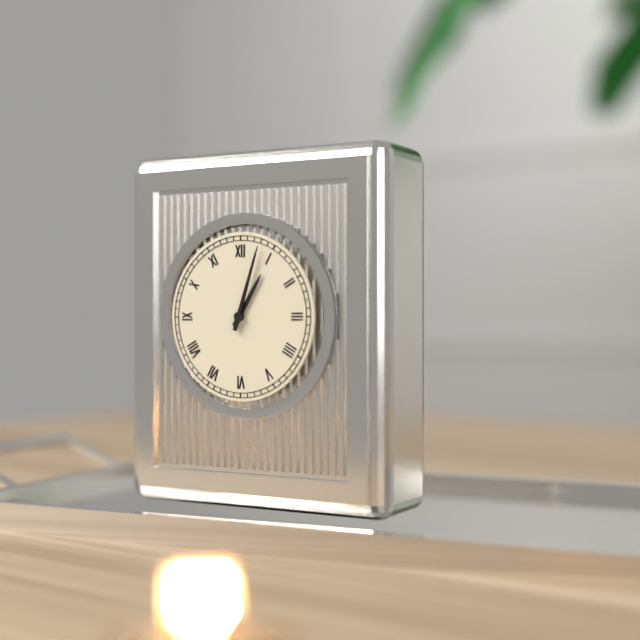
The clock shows **1:03**
